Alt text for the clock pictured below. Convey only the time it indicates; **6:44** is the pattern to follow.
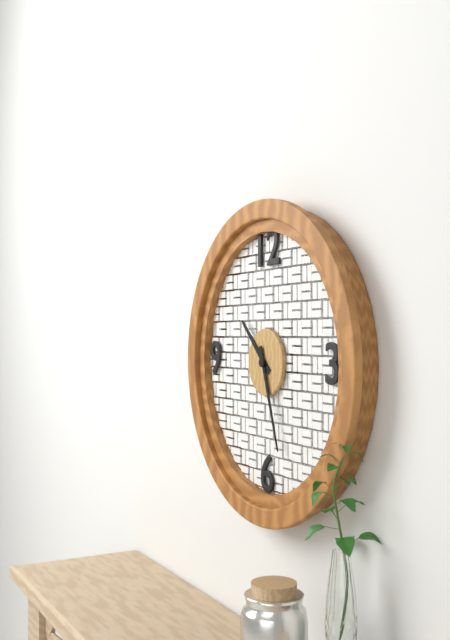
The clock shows **10:27**
